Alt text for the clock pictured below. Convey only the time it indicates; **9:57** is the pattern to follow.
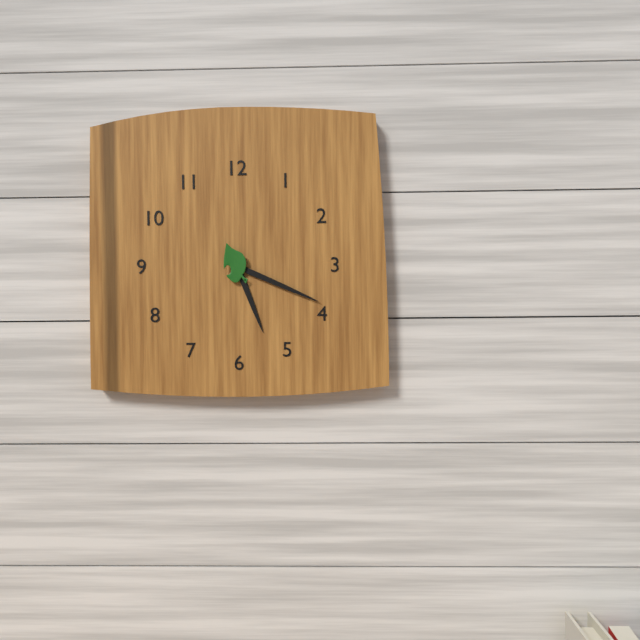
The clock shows **5:19**
